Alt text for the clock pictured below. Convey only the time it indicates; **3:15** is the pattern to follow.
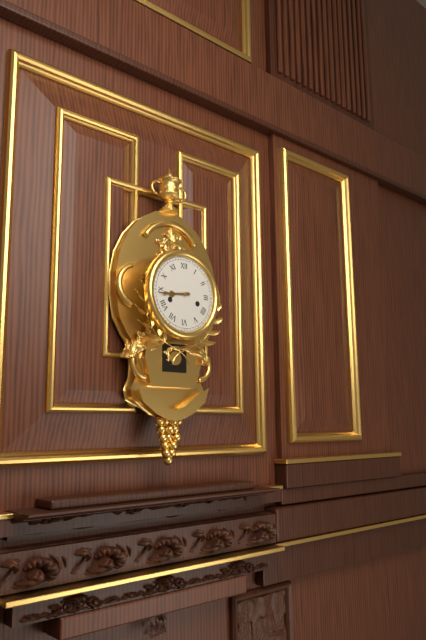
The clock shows **8:44**
